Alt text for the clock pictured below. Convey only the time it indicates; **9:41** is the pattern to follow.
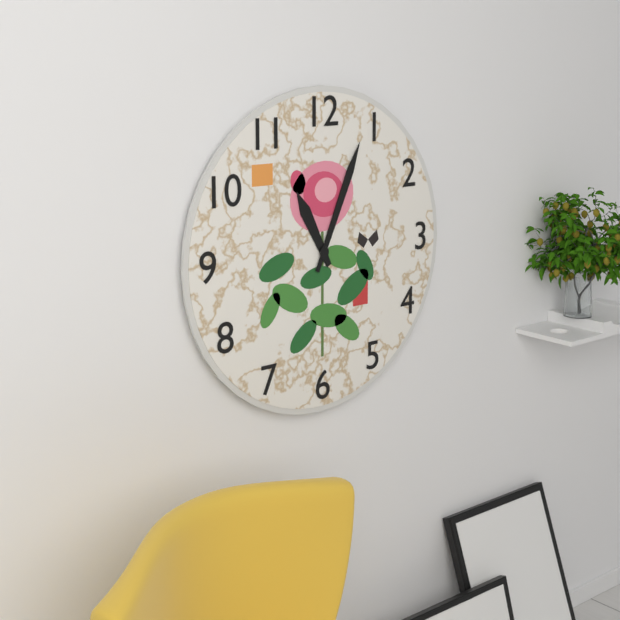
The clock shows **11:04**
